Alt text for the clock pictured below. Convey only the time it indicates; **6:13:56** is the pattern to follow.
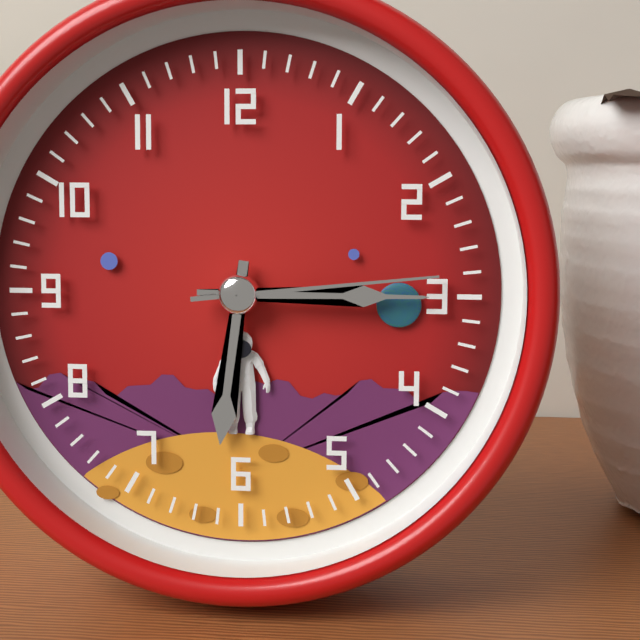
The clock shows **6:15:14**
